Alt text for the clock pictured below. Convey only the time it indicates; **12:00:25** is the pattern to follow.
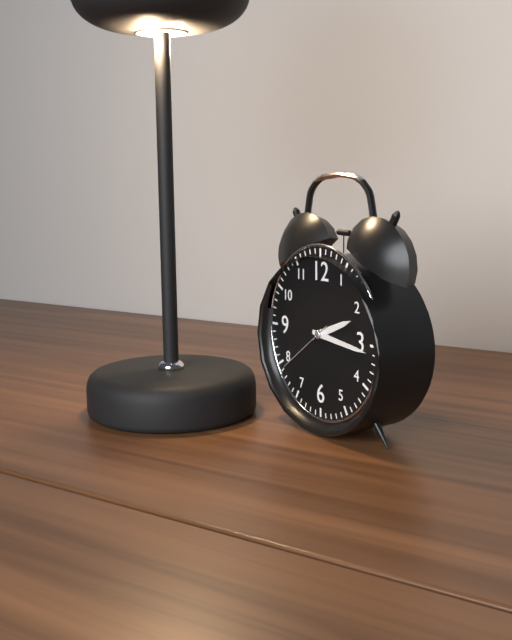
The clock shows **2:16:39**
